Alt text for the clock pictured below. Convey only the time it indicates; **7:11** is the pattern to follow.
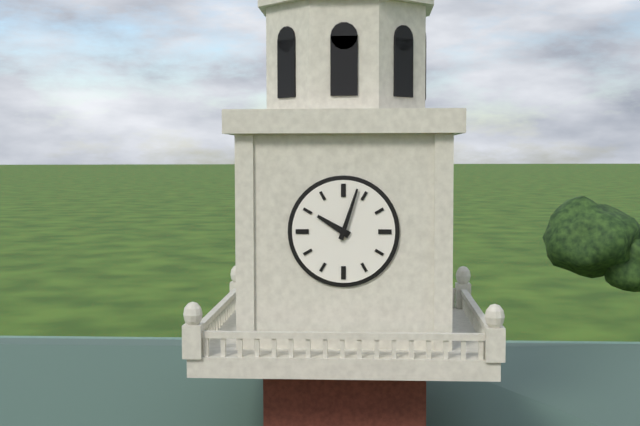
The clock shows **10:03**
